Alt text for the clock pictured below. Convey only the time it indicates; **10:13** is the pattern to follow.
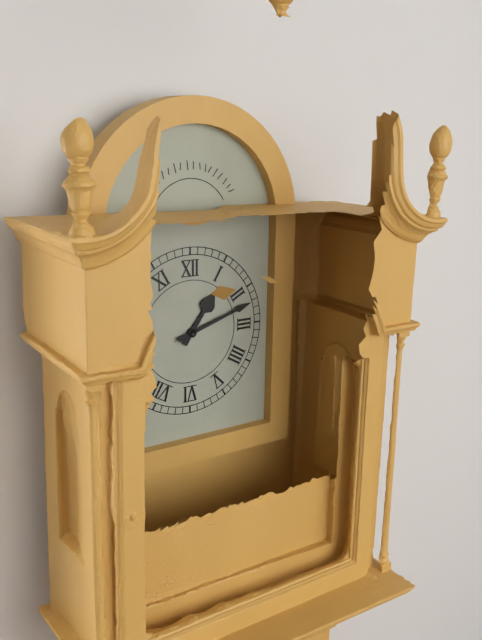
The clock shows **1:12**
